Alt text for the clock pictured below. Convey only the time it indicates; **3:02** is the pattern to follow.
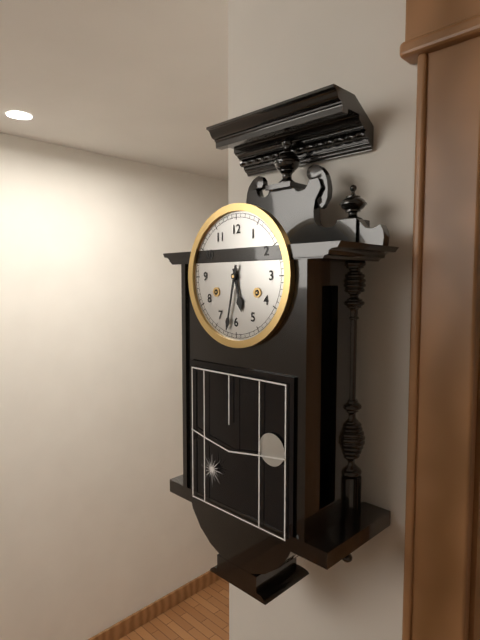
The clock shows **5:32**
